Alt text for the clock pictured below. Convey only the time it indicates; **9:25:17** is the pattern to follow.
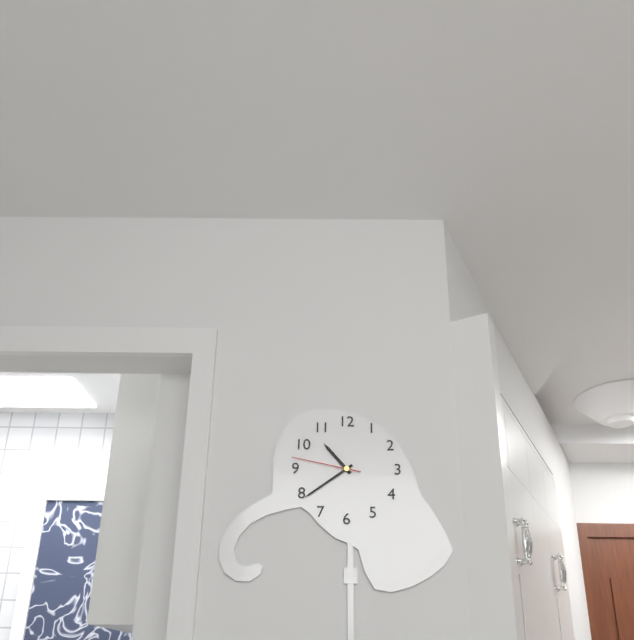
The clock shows **10:39:47**
